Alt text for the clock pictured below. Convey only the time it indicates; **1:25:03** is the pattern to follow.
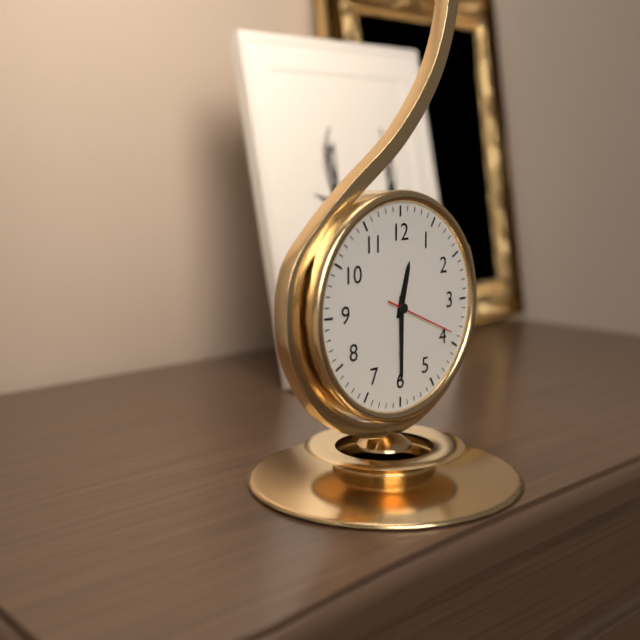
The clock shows **12:30:19**
